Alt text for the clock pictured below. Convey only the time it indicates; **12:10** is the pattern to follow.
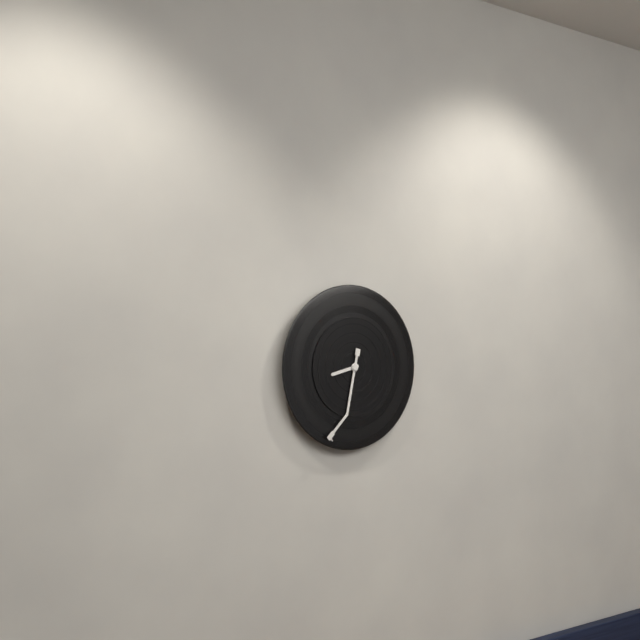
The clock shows **8:32**
